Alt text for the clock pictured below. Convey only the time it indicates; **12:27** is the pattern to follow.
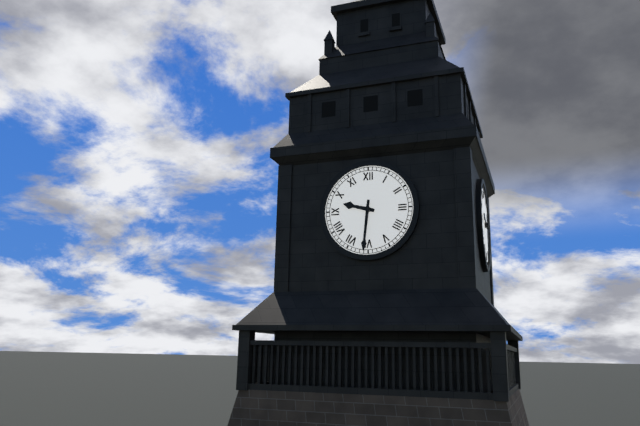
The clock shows **9:31**
